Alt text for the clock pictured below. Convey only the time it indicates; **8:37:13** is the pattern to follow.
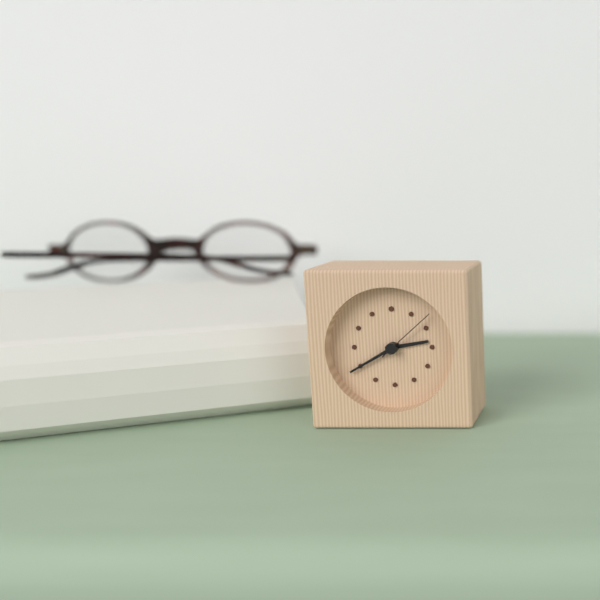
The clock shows **2:40:08**
